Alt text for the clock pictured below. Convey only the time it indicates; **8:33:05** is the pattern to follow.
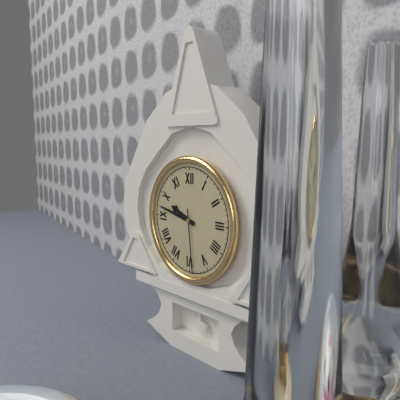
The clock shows **9:47:29**
